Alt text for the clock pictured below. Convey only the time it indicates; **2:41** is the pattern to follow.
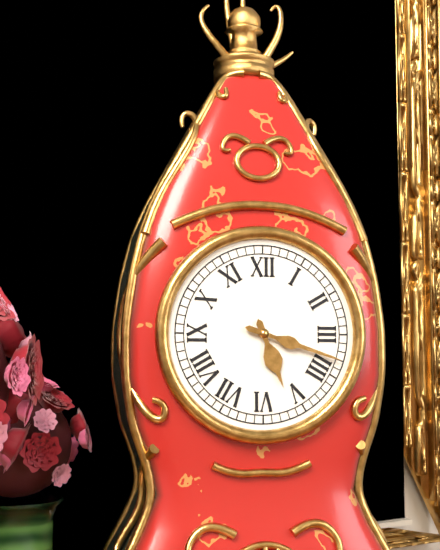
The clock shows **5:18**
